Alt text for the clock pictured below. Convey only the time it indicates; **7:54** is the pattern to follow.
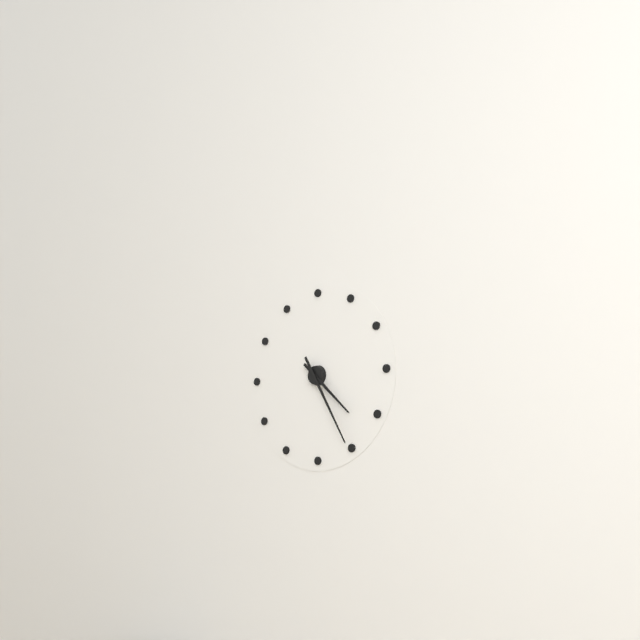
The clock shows **4:25**
